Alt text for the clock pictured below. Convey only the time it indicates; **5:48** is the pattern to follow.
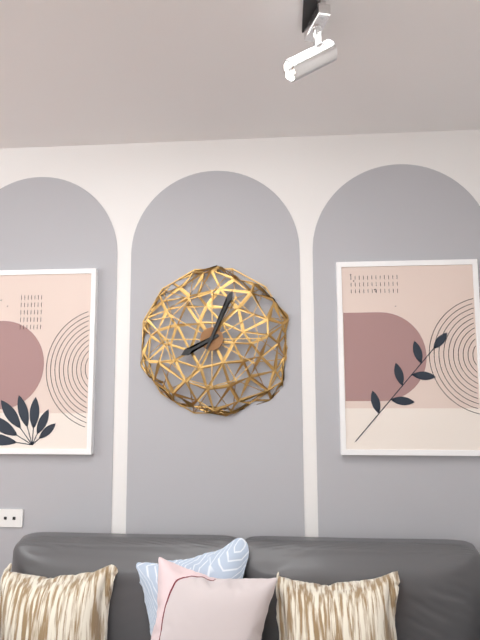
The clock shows **8:04**
